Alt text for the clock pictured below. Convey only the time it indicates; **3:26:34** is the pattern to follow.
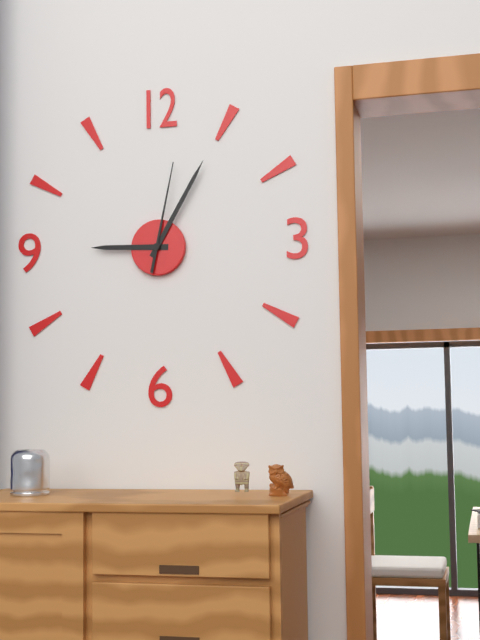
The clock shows **9:05:02**
